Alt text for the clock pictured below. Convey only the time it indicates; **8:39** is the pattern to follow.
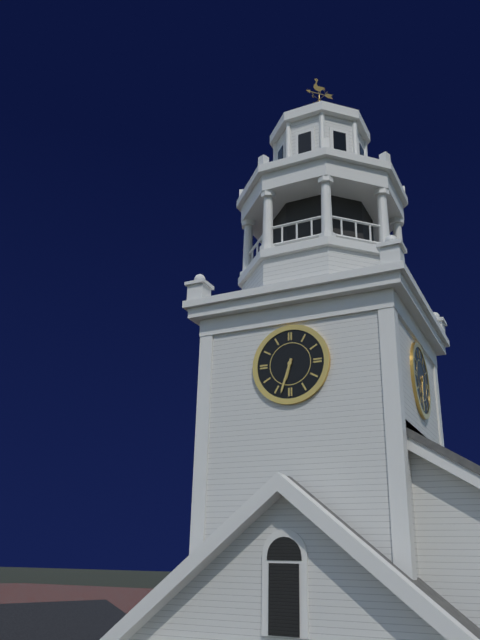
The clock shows **6:33**
